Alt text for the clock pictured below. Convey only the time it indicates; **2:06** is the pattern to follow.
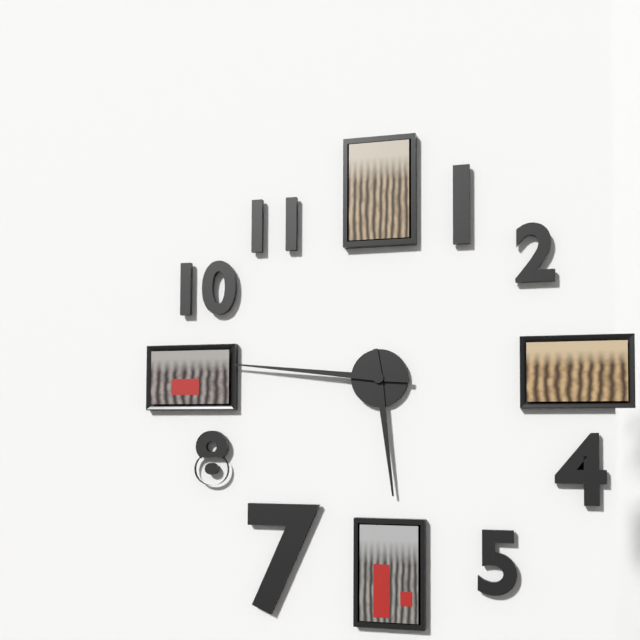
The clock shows **5:46**
